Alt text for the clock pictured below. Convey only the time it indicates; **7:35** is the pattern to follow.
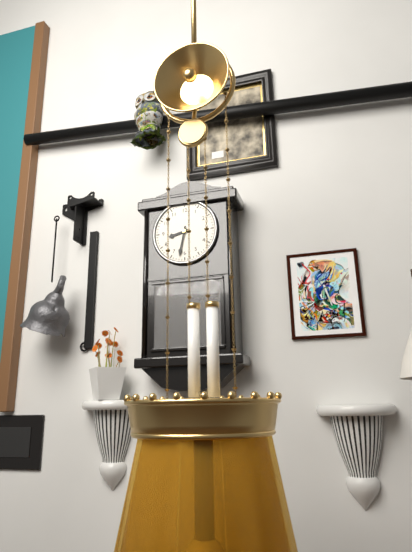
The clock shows **8:32**
